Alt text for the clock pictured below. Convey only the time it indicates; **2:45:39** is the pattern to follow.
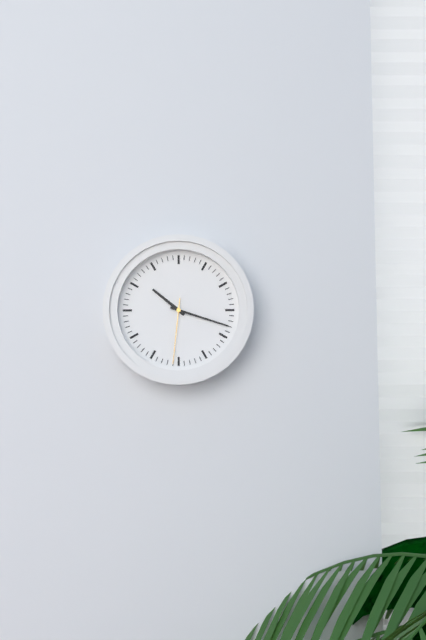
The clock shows **10:18:31**
